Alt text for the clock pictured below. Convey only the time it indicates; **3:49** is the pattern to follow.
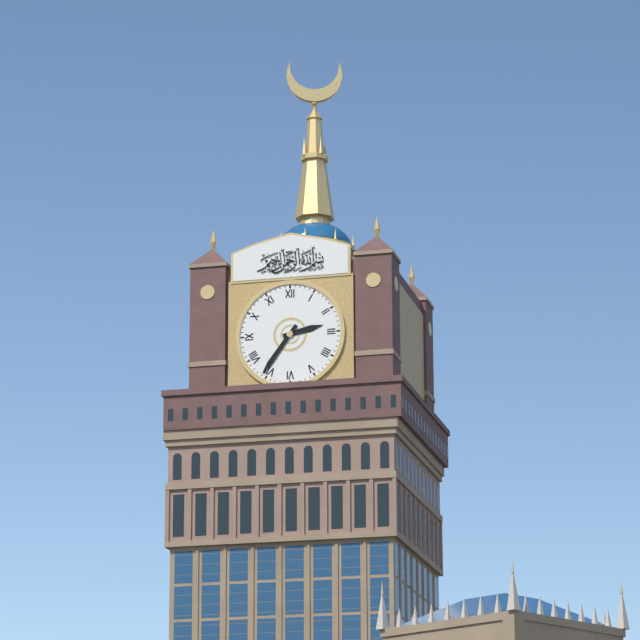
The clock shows **2:36**
